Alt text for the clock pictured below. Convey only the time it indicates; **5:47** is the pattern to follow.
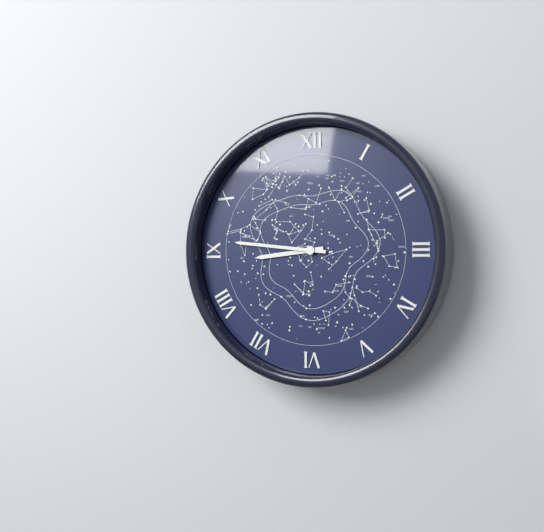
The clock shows **8:46**
